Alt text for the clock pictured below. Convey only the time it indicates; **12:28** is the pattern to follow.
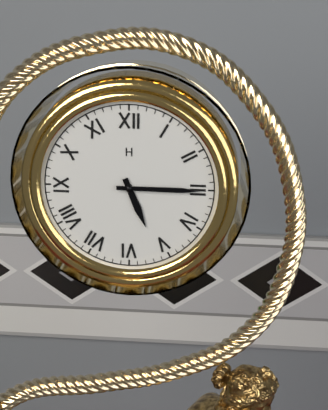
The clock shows **5:15**
